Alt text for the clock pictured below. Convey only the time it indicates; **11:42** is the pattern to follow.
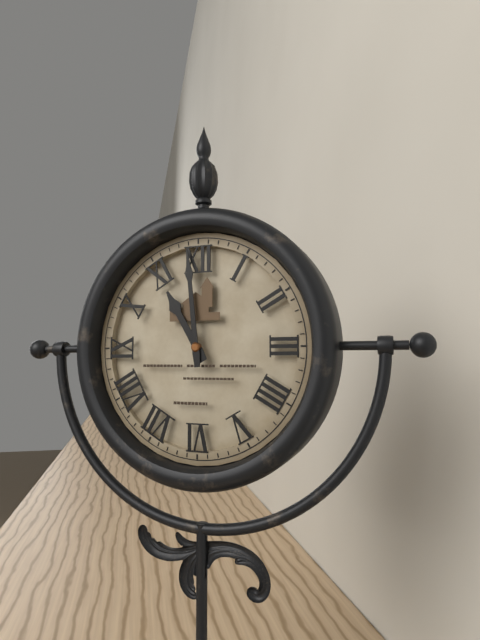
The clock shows **10:59**
